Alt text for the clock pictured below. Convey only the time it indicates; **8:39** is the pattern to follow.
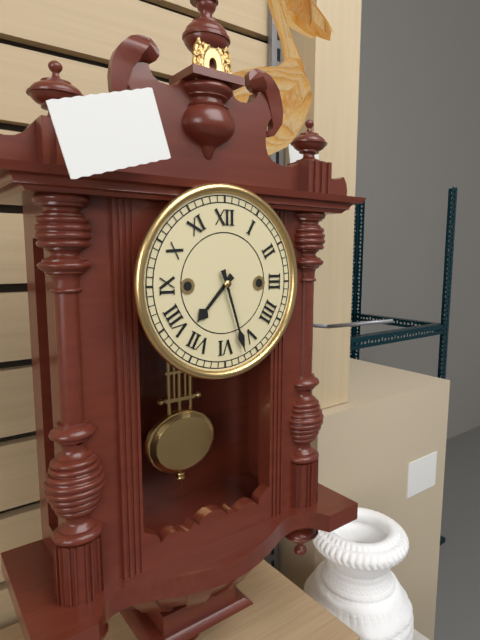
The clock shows **7:27**
